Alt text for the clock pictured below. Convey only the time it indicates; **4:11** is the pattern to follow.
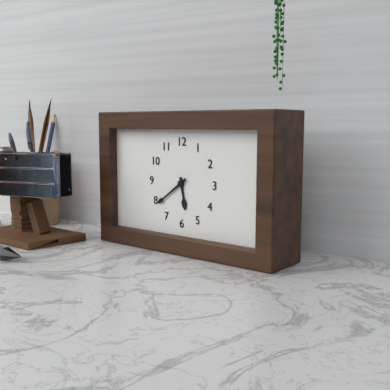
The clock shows **5:39**
